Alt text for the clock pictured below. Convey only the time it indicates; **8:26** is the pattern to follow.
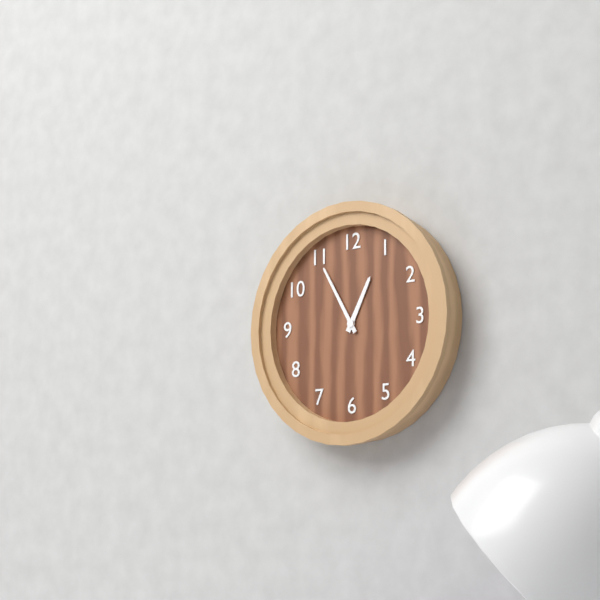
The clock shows **12:55**
